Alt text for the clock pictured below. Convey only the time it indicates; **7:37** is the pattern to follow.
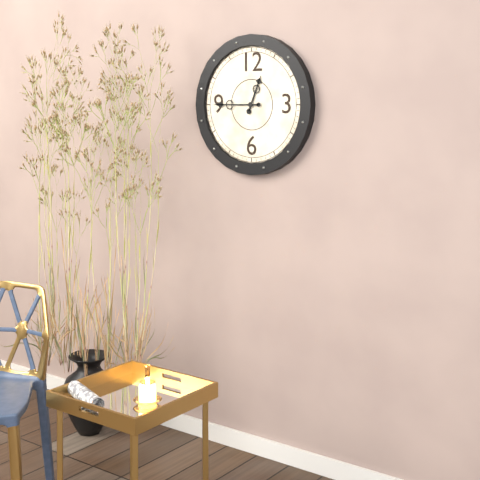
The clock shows **12:45**
